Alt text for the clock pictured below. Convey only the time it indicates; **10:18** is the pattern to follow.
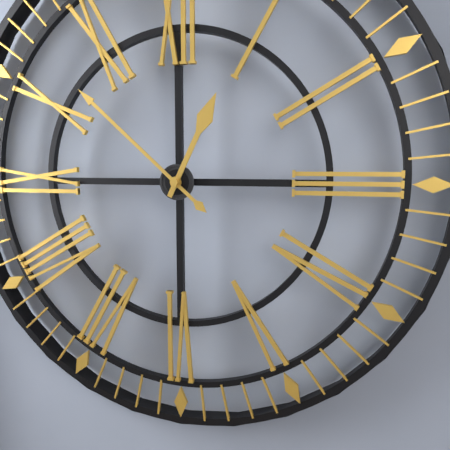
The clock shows **12:52**
